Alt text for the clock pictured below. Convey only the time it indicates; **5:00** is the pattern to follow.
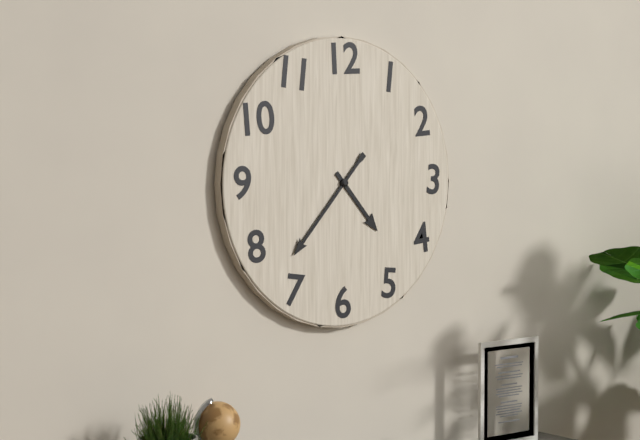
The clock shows **4:37**
